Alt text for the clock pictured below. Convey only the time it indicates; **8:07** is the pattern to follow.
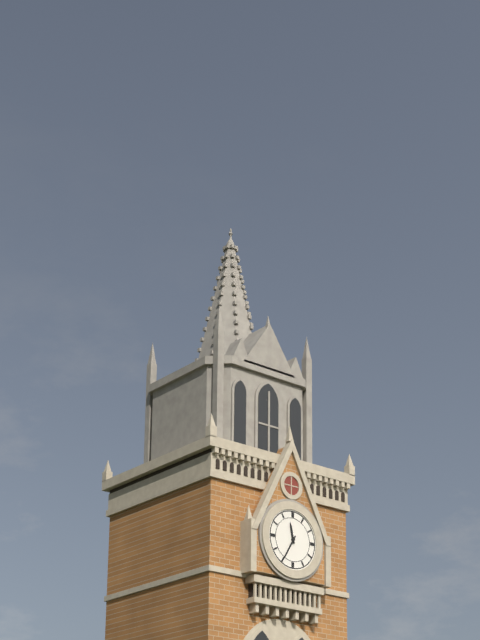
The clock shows **11:35**
